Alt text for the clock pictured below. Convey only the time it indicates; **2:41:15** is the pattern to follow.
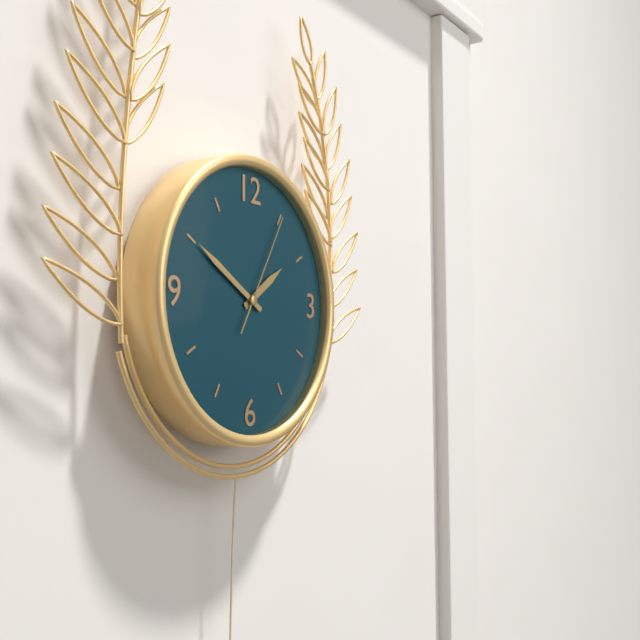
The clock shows **1:50:05**
